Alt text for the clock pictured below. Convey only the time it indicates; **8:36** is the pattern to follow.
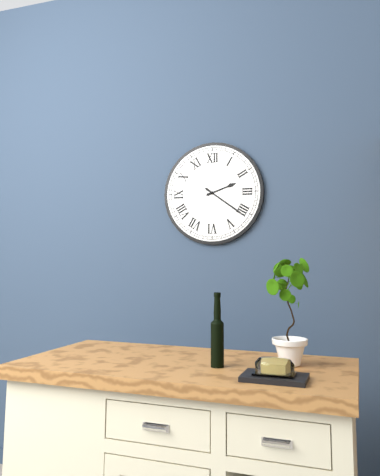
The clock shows **2:21**
